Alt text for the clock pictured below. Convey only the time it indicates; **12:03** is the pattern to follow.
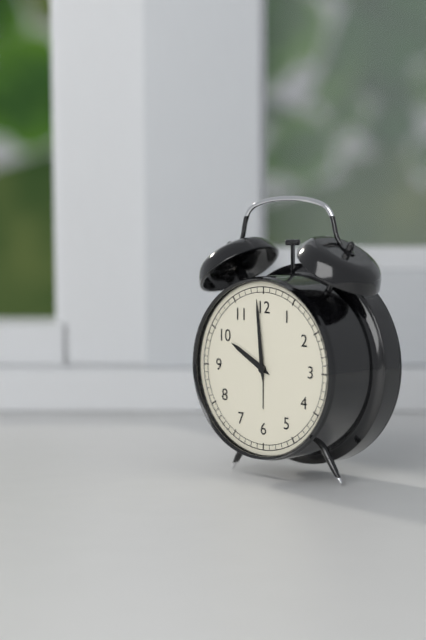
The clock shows **9:59**
